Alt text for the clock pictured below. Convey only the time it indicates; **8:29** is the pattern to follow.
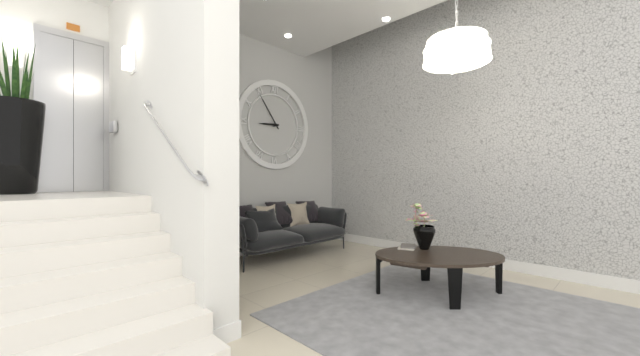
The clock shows **8:54**
